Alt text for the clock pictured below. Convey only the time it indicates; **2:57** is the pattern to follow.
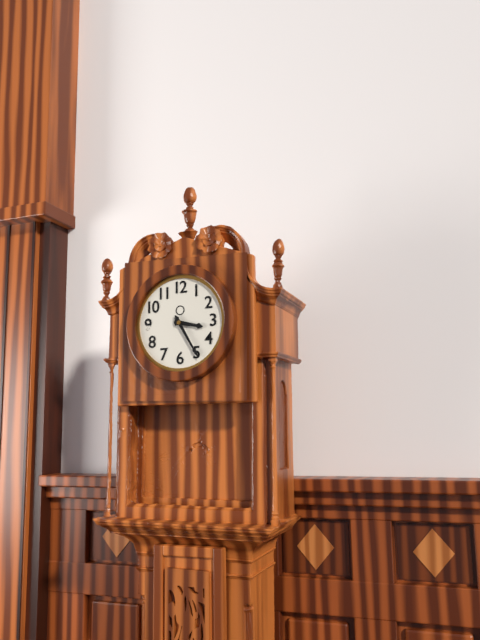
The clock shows **3:25**
